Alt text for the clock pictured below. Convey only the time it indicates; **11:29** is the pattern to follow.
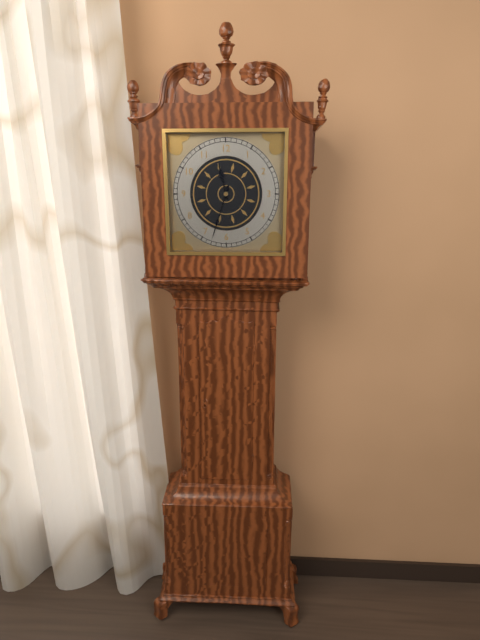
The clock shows **11:33**
